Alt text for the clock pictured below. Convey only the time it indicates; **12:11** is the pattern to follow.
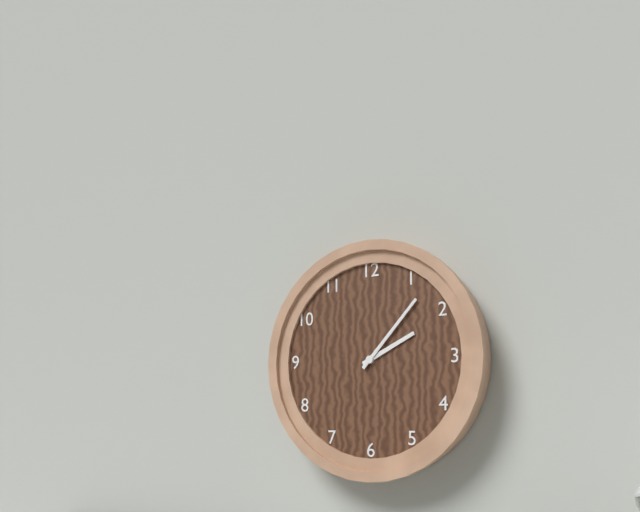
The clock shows **2:07**
